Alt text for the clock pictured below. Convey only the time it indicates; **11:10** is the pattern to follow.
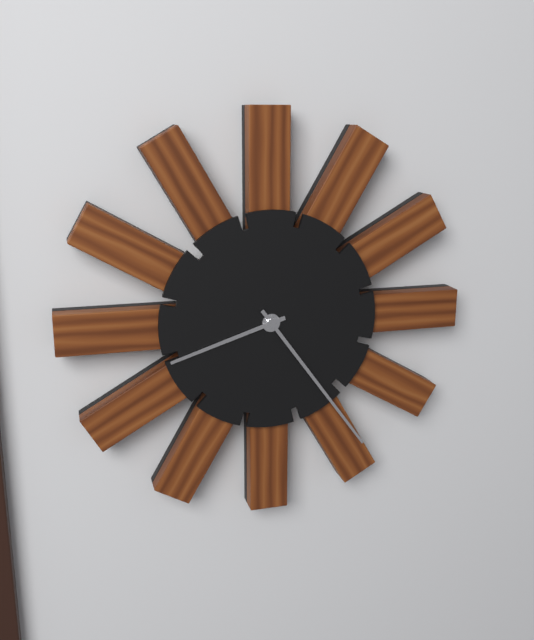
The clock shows **8:24**
